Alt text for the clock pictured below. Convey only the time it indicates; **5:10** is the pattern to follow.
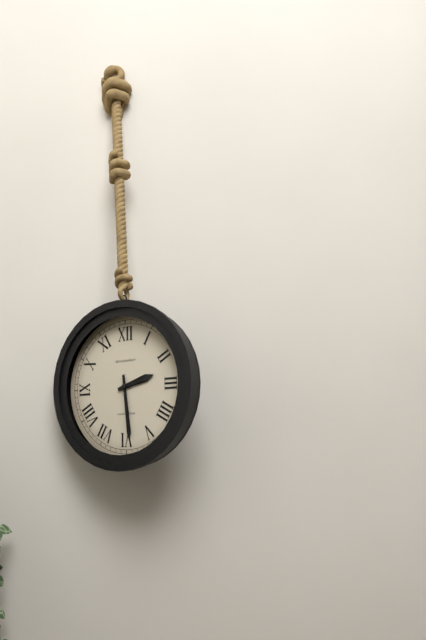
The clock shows **2:29**
